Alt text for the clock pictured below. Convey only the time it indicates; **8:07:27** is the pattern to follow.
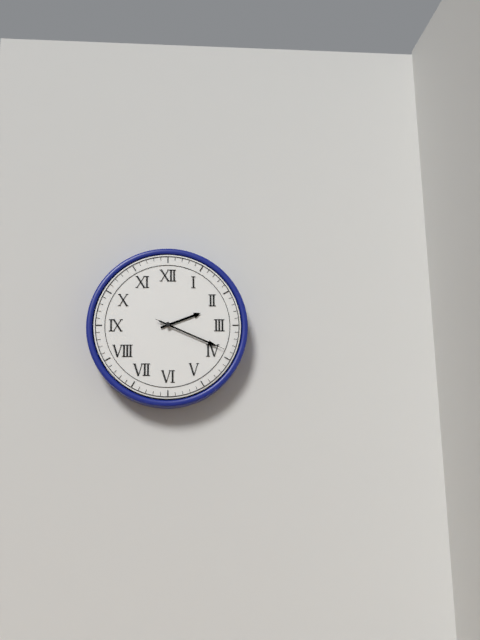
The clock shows **2:19:19**
